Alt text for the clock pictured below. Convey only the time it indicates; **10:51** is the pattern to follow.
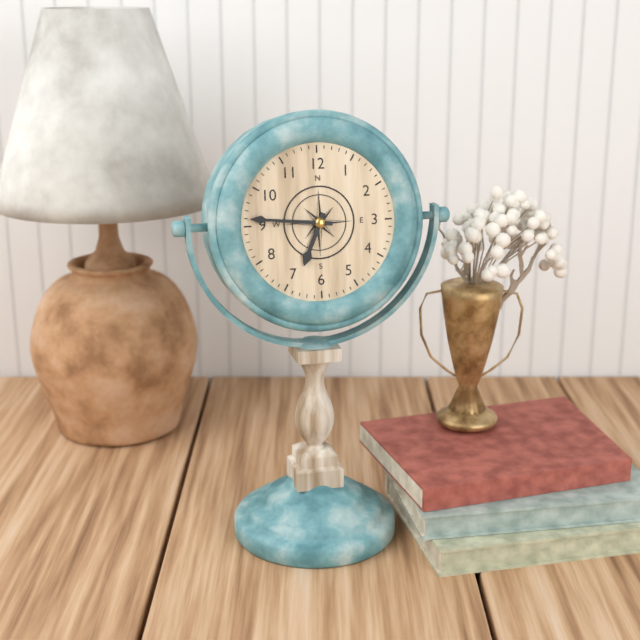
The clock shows **6:46**
